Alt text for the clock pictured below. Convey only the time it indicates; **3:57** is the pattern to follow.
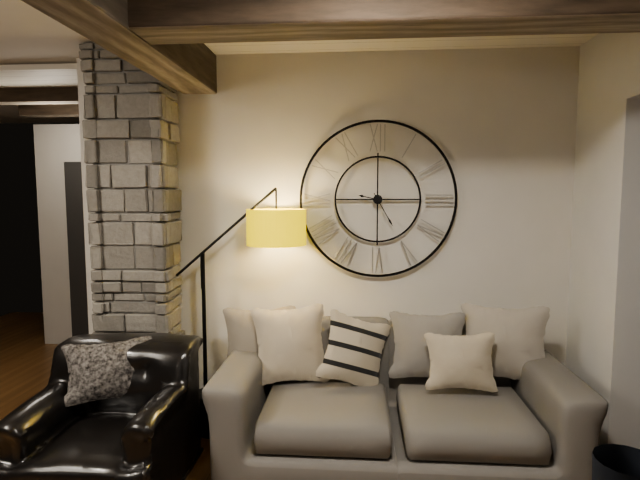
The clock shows **9:25**
